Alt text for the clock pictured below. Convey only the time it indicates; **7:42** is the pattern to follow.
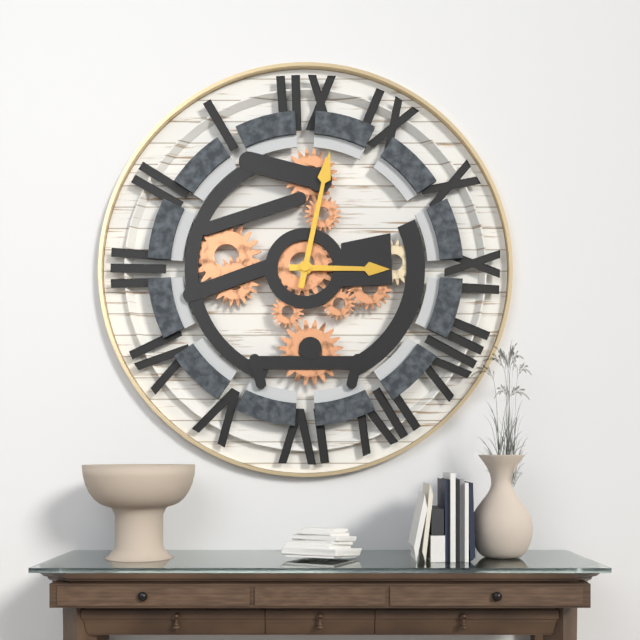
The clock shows **3:02**
